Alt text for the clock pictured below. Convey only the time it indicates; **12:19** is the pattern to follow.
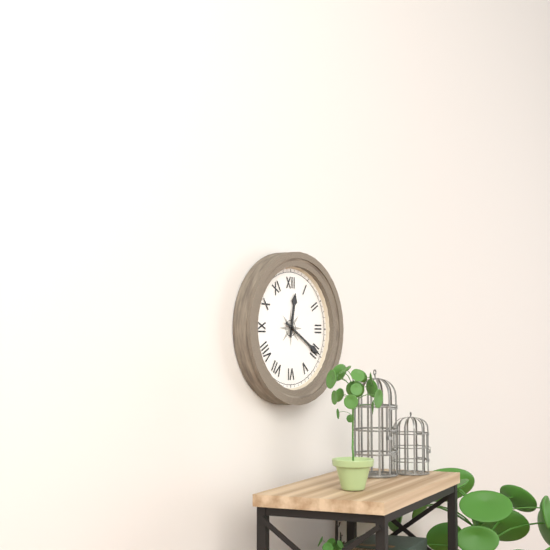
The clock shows **12:20**
